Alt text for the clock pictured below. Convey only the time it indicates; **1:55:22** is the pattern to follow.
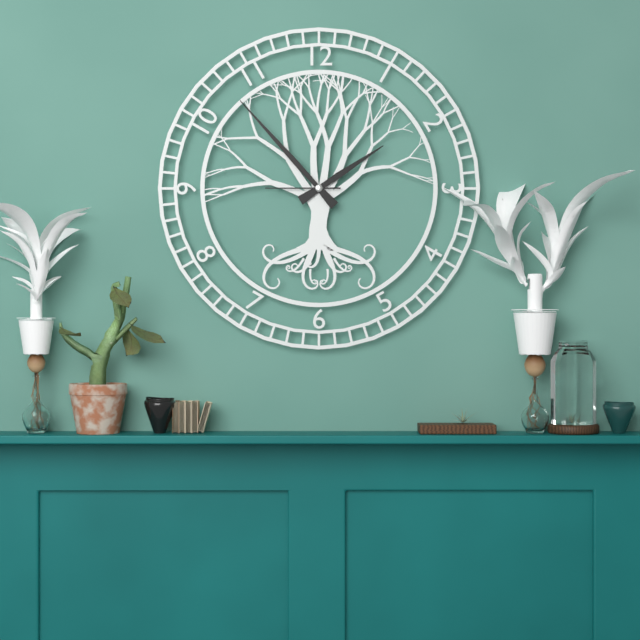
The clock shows **1:53:45**
